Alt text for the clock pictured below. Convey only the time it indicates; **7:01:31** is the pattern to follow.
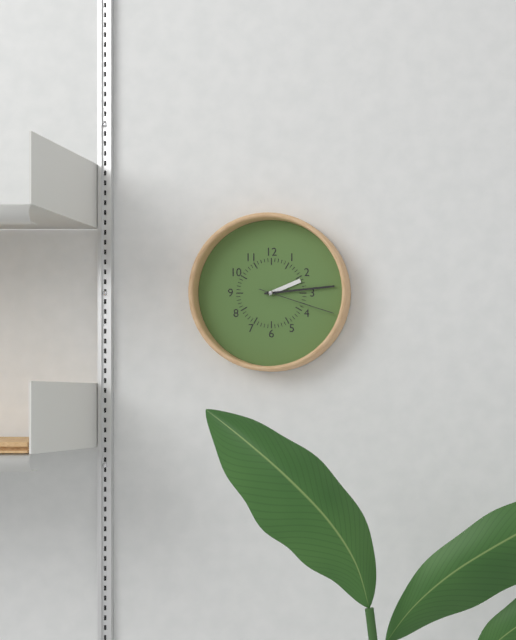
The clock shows **2:14:18**
